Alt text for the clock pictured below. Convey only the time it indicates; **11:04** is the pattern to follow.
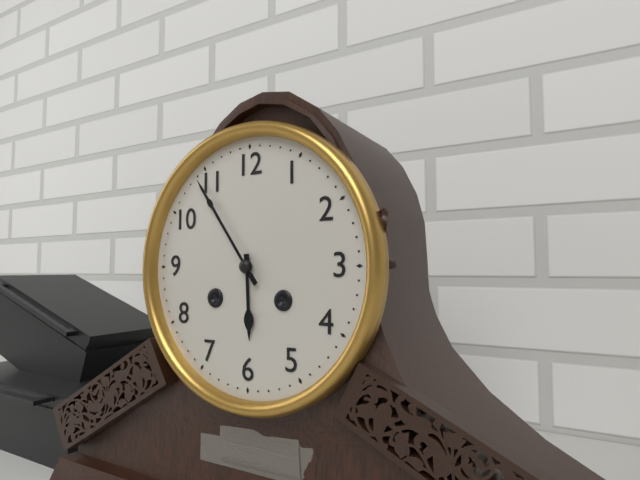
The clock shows **5:54**
